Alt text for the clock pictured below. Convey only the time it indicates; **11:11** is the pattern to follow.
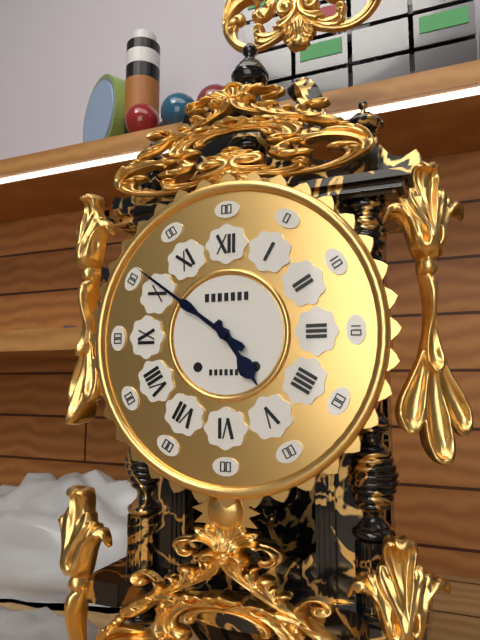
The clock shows **4:51**
